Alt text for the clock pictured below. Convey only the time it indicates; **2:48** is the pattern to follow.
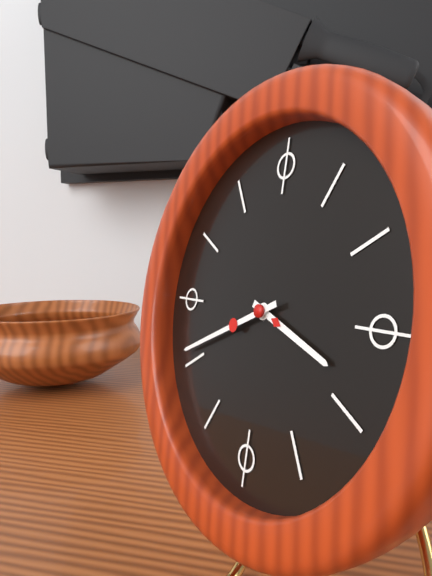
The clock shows **3:41**
